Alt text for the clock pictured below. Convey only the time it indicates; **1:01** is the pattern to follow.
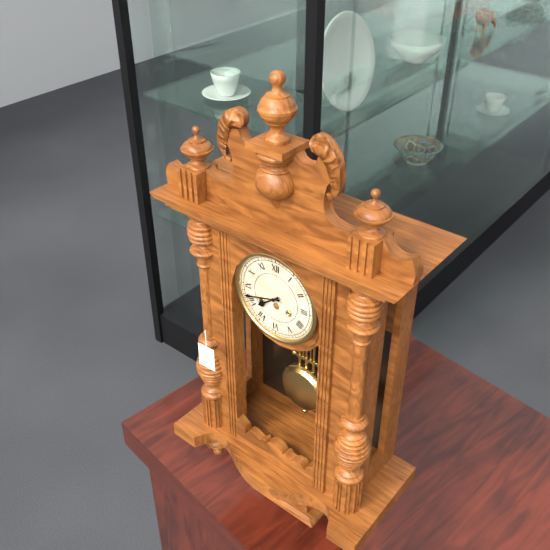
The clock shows **7:42**
